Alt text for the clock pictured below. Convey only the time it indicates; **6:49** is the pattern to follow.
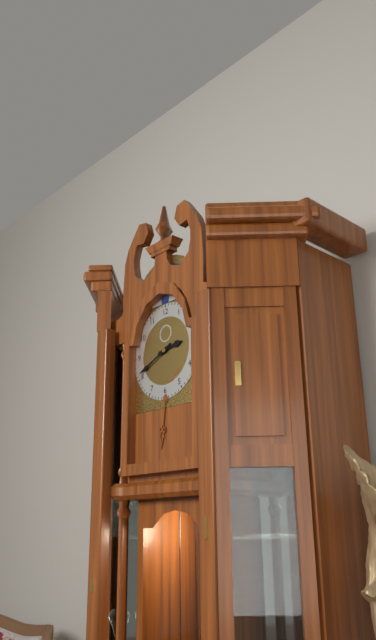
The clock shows **2:41**
